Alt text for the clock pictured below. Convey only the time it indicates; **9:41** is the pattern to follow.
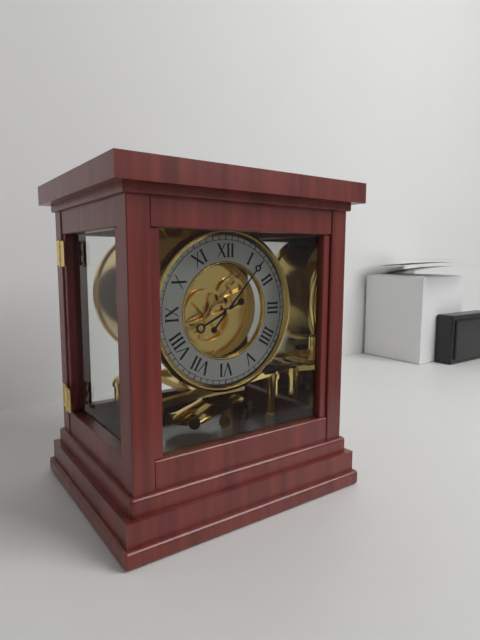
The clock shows **8:07**
